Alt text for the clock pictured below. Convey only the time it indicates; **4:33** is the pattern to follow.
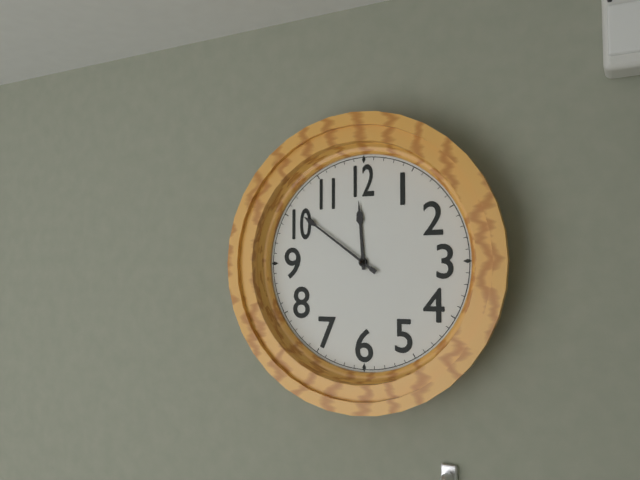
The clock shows **11:51**
